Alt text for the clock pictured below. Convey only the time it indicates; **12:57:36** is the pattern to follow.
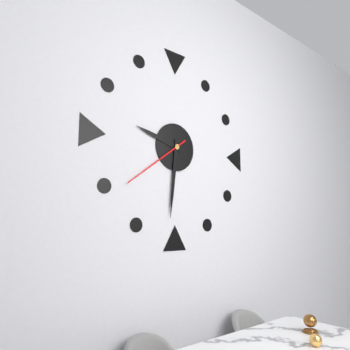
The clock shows **9:31:39**
